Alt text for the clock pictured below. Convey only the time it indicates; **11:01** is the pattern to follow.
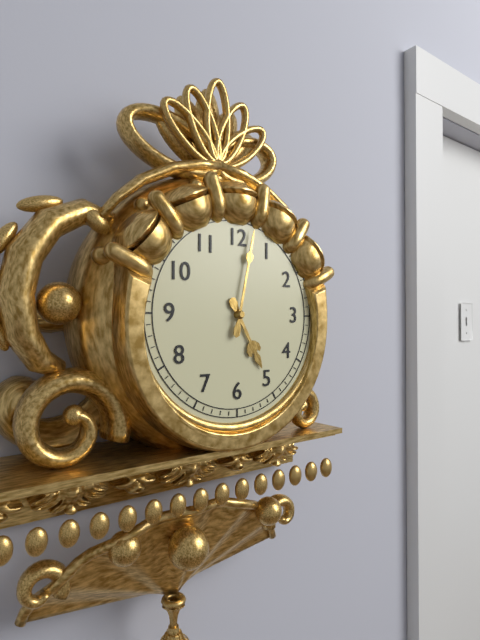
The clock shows **5:02**
